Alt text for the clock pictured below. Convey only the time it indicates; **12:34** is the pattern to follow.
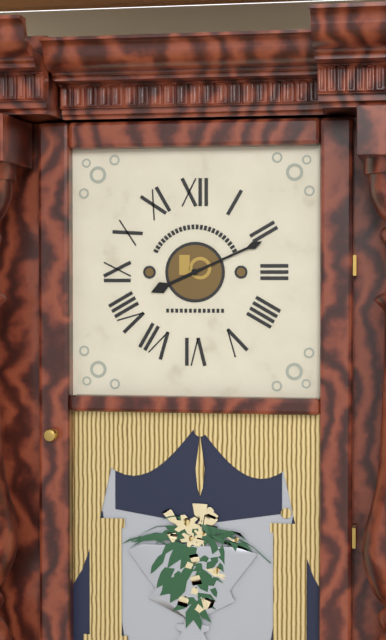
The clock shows **8:11**
